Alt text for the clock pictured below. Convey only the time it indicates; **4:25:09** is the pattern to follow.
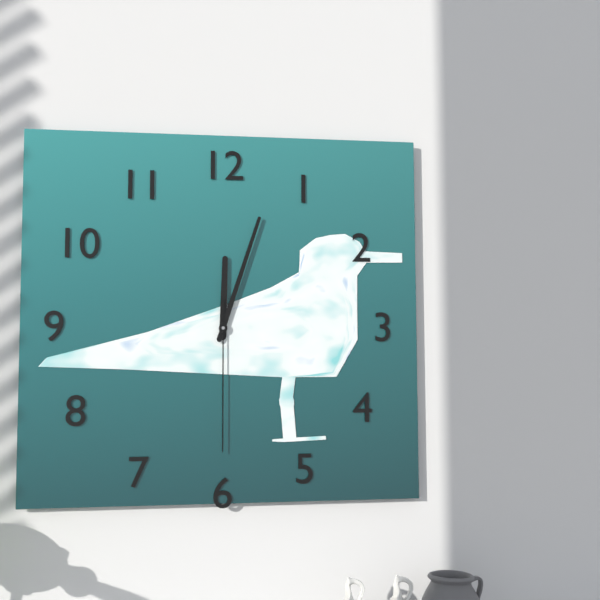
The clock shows **12:03:30**
